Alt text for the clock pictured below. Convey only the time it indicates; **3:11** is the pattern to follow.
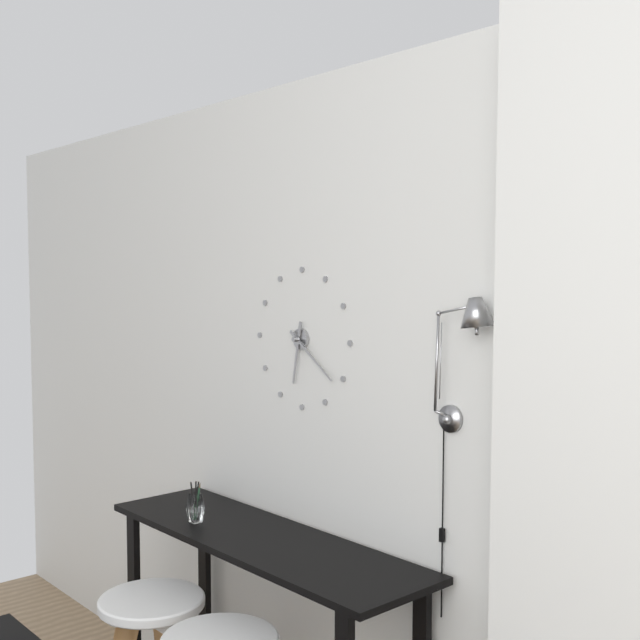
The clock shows **6:21**
